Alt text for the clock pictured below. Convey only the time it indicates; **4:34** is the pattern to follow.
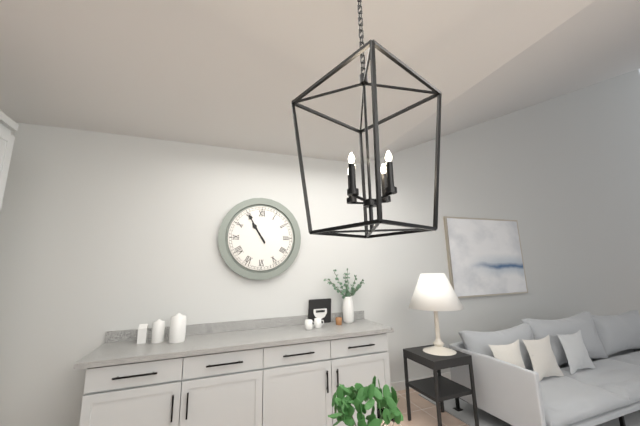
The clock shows **10:55**
